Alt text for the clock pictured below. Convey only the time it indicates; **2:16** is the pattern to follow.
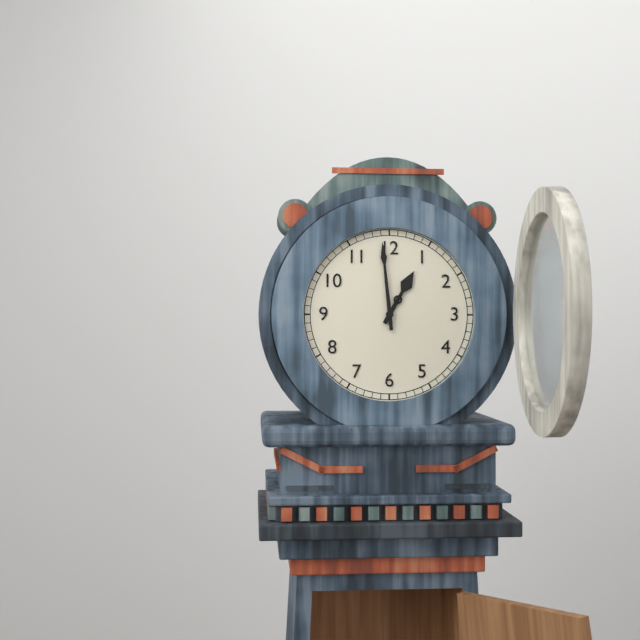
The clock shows **12:59**
